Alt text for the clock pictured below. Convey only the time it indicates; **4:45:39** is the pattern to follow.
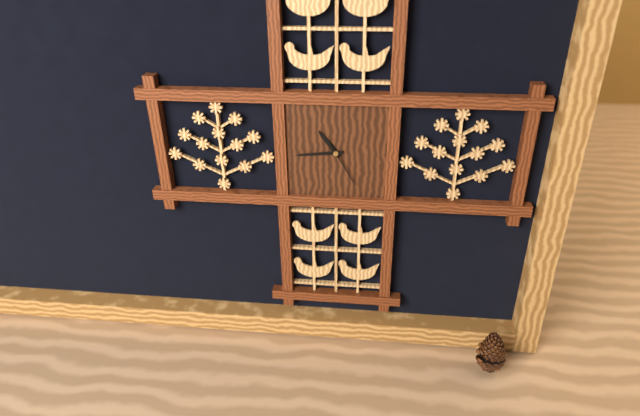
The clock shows **10:44:25**
